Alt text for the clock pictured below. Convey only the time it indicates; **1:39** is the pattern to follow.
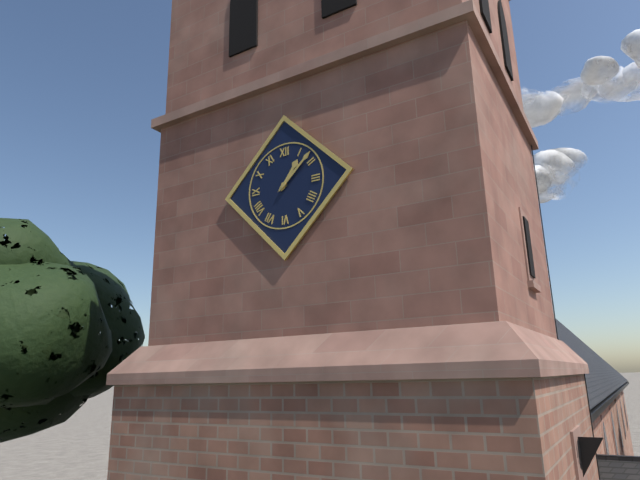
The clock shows **1:08**
